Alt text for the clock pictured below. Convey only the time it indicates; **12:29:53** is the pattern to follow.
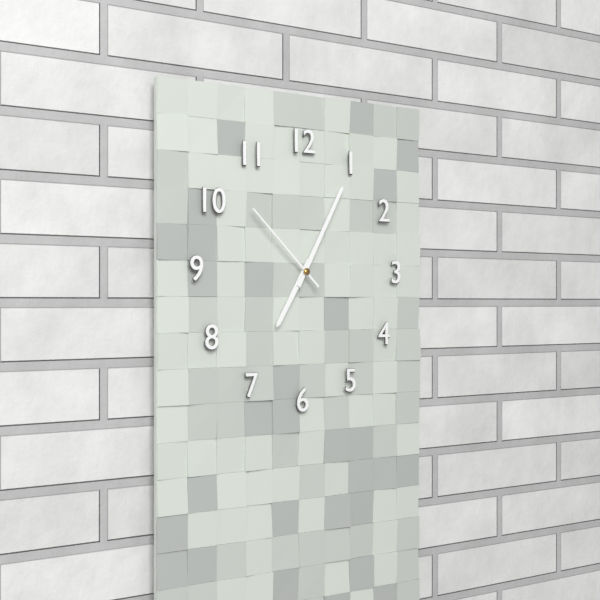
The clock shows **7:05:52**
